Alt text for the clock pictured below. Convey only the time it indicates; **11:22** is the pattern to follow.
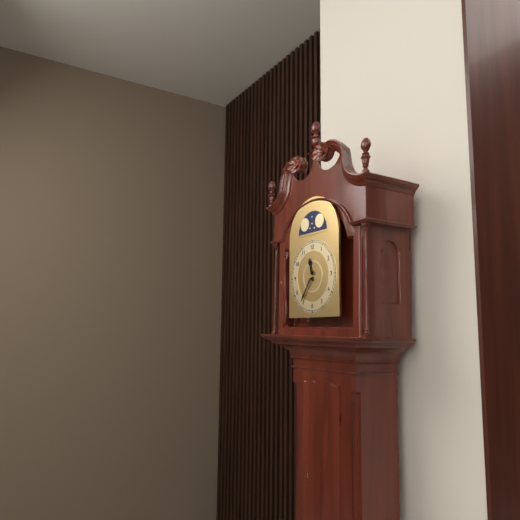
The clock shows **11:36**
